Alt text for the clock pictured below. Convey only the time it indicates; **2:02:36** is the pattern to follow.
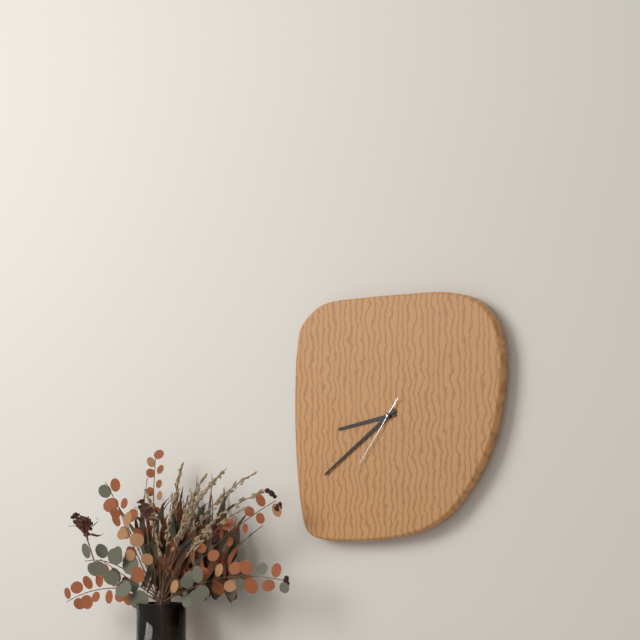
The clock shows **8:39:36**
